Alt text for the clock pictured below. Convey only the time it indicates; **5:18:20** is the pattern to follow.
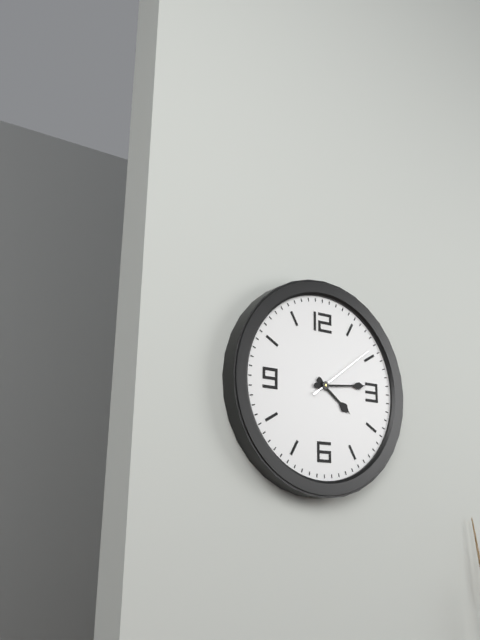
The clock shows **4:14:09**
